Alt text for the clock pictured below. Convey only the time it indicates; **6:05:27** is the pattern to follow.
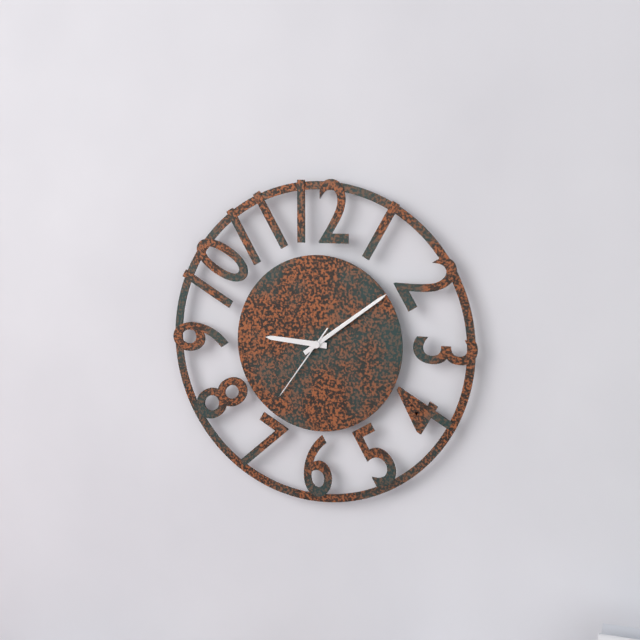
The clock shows **9:09:36**
